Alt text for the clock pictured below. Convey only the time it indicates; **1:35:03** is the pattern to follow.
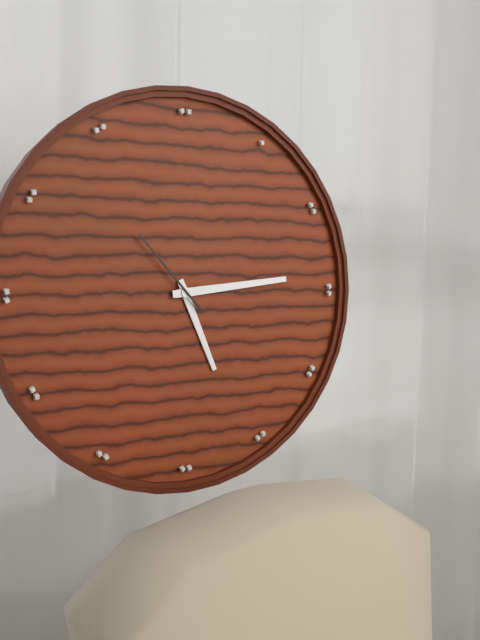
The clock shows **5:14:53**
